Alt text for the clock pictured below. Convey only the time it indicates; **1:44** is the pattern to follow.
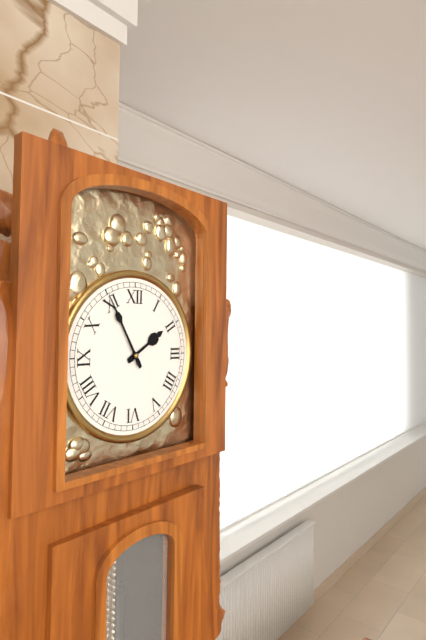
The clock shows **1:55**
